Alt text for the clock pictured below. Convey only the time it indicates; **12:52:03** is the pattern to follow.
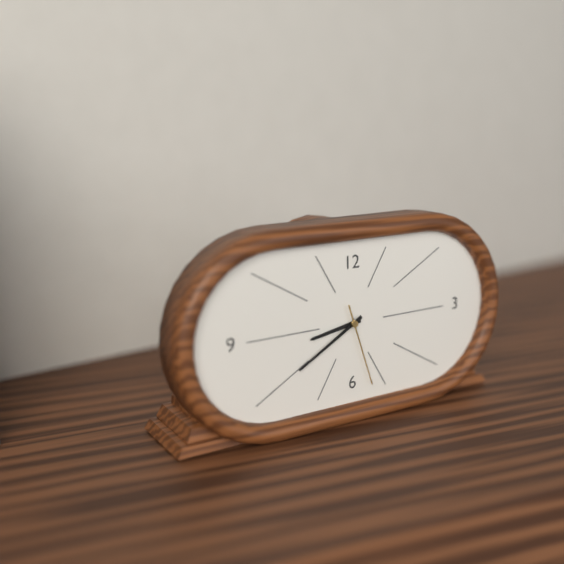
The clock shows **8:40:27**
